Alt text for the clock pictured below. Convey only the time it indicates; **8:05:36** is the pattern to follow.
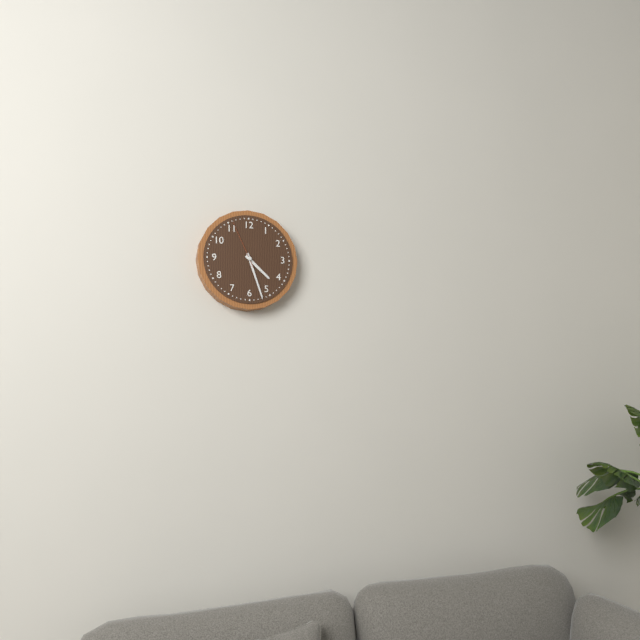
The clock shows **4:27:56**
